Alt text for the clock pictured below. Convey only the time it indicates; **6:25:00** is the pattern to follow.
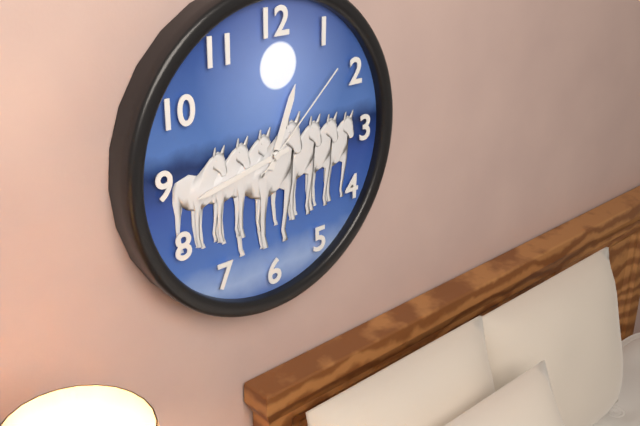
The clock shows **12:43:08**
